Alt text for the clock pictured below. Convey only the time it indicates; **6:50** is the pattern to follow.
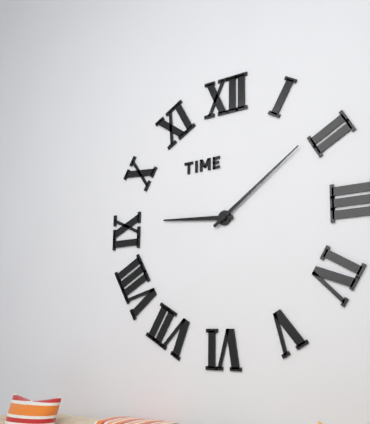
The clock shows **9:09**
